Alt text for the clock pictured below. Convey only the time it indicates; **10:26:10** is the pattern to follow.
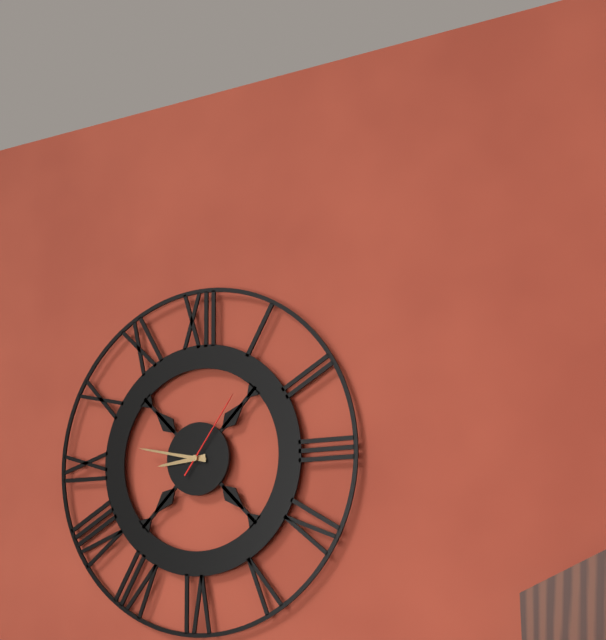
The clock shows **8:47:06**
